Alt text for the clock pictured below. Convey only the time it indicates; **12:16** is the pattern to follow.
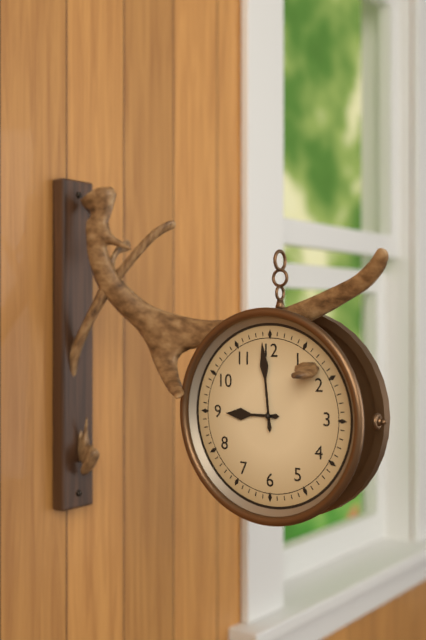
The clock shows **8:59**
